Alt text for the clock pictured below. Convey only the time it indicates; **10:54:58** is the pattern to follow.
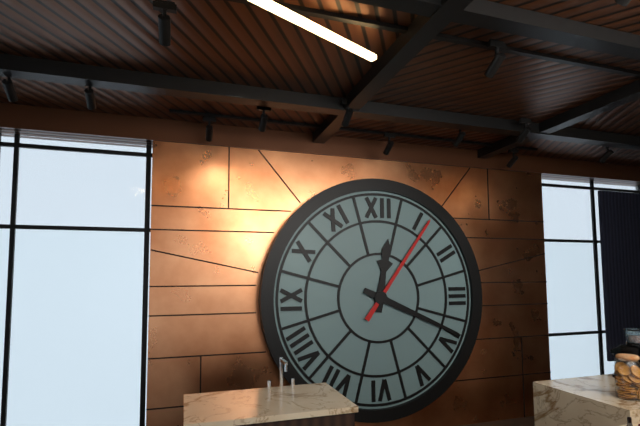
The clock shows **12:19:06**
